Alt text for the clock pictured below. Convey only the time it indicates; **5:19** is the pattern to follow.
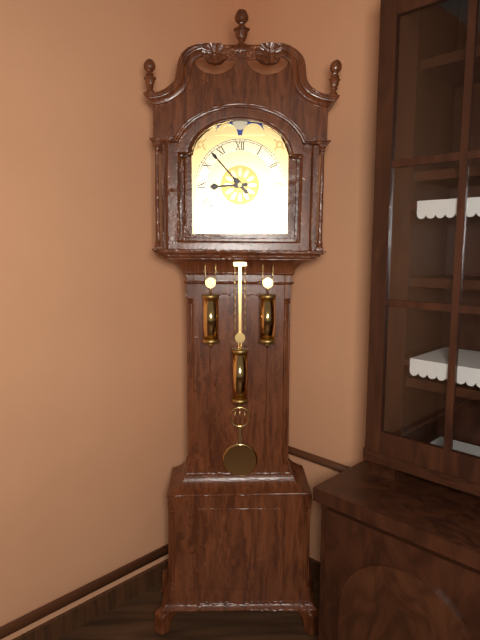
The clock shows **8:53**
